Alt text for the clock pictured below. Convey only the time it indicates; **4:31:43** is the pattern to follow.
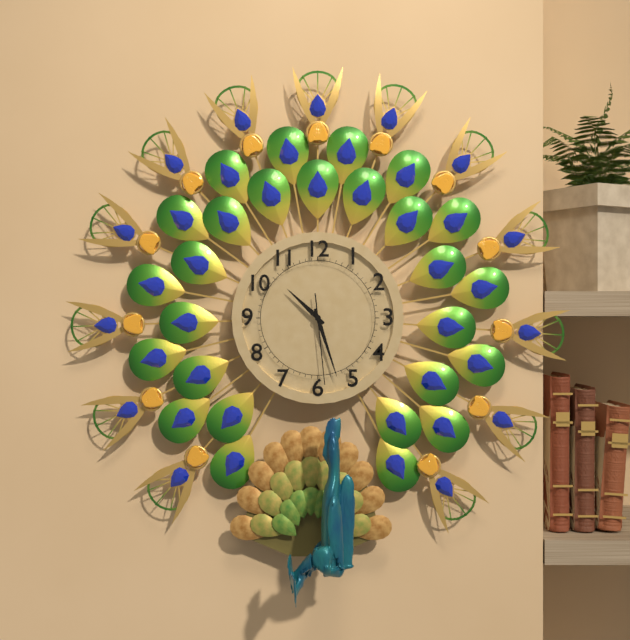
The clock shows **10:27:29**
